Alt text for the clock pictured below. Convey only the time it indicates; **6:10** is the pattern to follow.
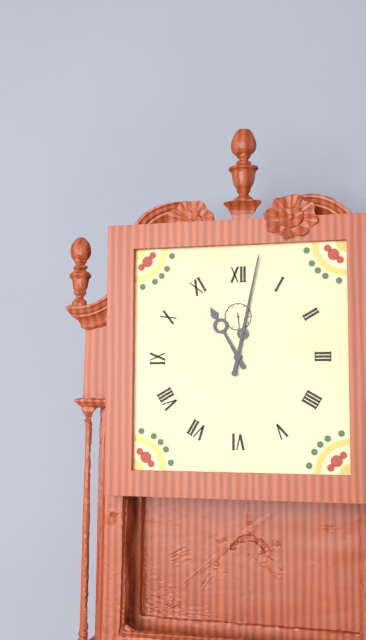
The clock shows **11:02**
